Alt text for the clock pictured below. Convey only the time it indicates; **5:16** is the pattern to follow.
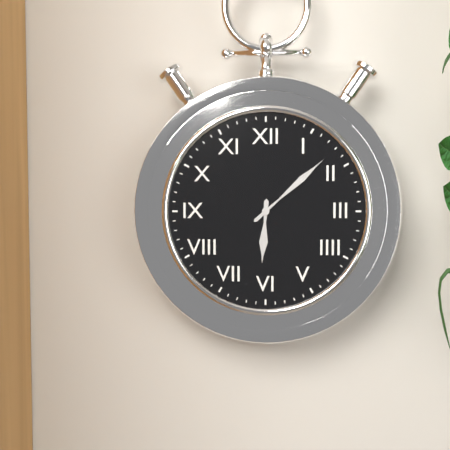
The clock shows **6:08**
